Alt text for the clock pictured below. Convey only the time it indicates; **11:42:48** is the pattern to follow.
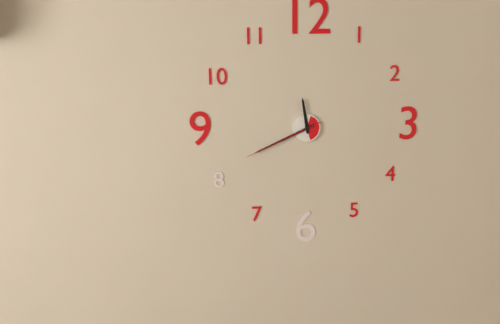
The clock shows **11:41:41**
